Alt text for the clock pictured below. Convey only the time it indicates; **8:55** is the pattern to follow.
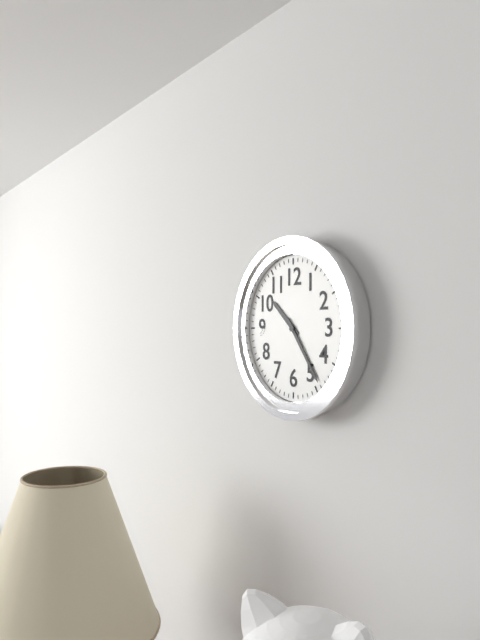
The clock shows **10:24**
